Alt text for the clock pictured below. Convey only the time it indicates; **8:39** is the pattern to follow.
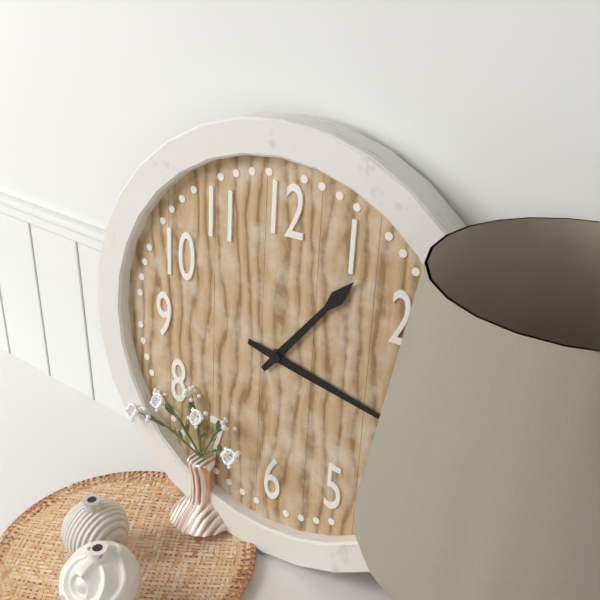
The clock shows **1:17**
